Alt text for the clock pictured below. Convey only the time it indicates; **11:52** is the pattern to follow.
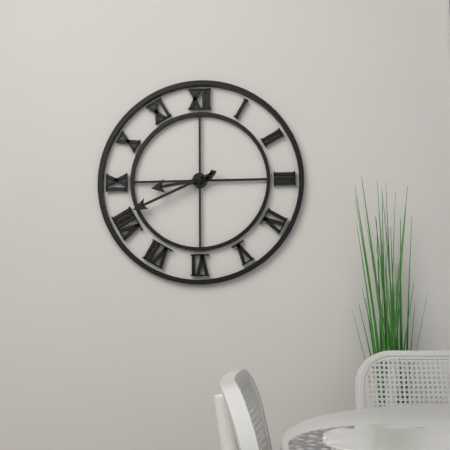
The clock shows **8:41**
